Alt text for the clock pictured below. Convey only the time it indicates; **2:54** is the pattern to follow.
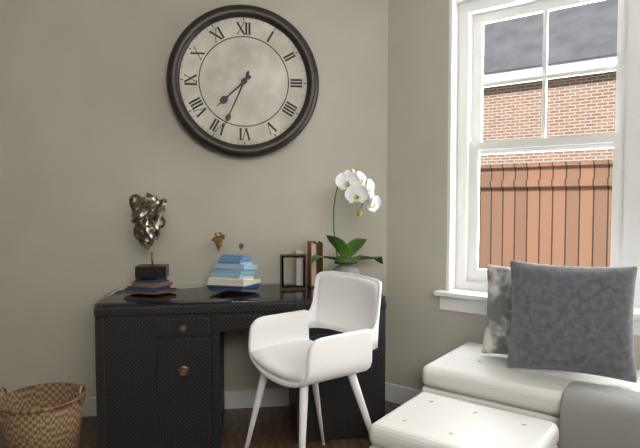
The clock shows **7:34**
